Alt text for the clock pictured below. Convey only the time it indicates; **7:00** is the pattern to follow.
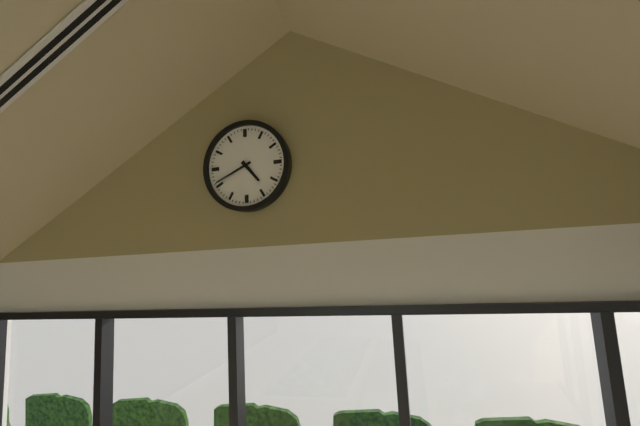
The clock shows **4:41**
